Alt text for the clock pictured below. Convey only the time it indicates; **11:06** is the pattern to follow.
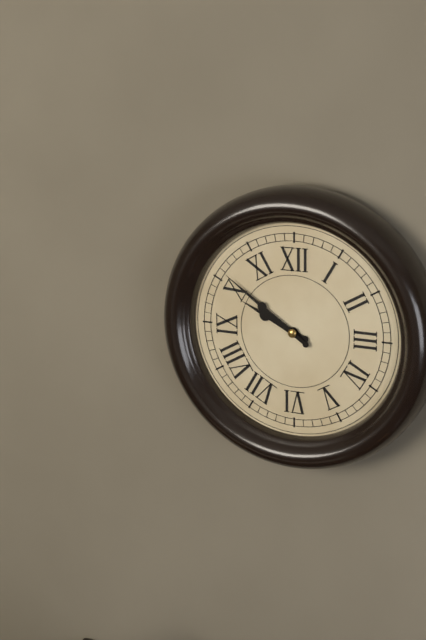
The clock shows **9:51**
